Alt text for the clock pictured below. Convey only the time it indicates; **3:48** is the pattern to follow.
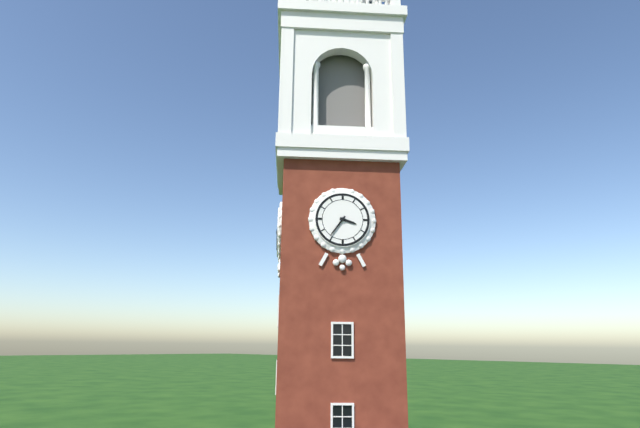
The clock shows **3:36**
